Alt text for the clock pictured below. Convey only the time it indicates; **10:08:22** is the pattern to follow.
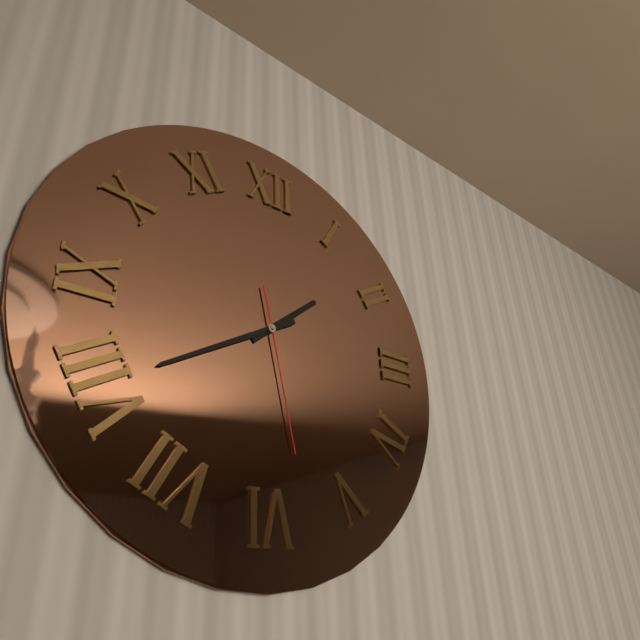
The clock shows **1:40:28**
